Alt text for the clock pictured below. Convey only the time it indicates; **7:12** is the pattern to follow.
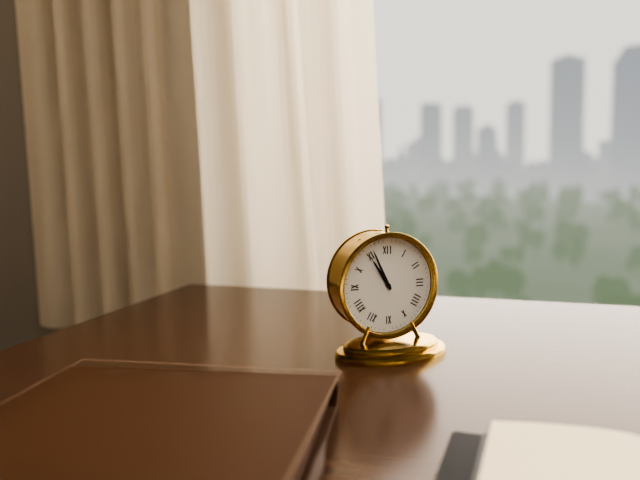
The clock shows **10:56**
